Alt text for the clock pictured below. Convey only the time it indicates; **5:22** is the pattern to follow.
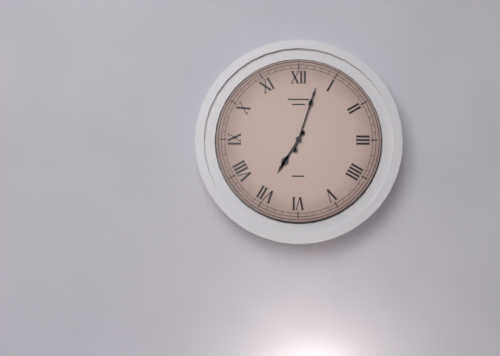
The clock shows **7:03**
